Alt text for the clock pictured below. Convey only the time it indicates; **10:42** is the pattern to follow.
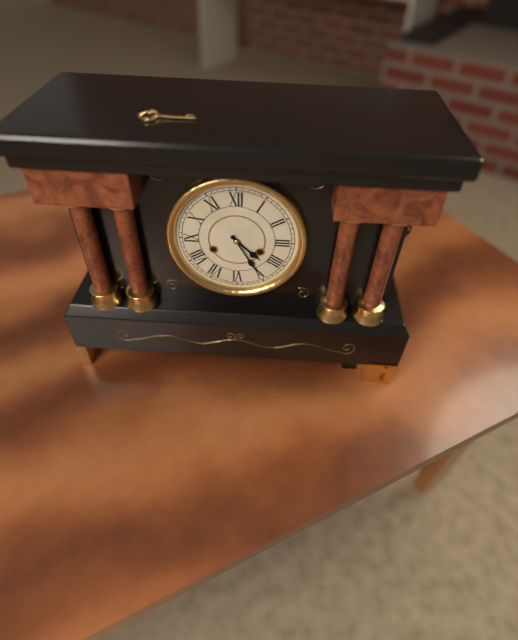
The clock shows **4:25**
